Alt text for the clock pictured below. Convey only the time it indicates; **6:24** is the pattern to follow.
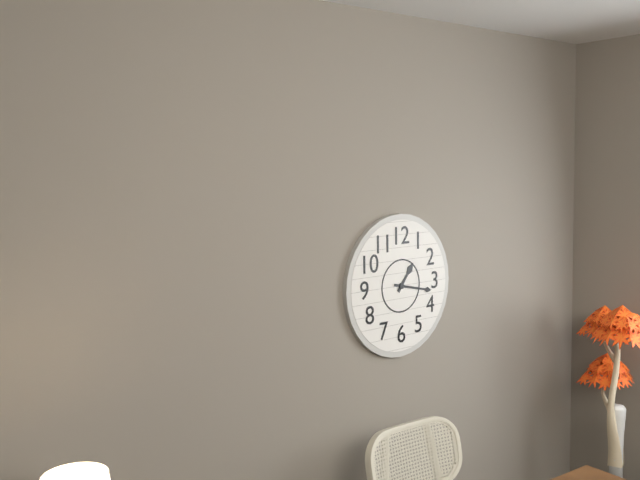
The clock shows **1:17**
